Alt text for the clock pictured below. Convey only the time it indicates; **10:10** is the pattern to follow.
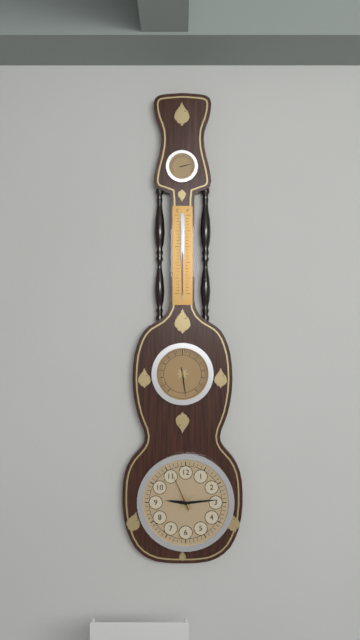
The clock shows **9:14**
